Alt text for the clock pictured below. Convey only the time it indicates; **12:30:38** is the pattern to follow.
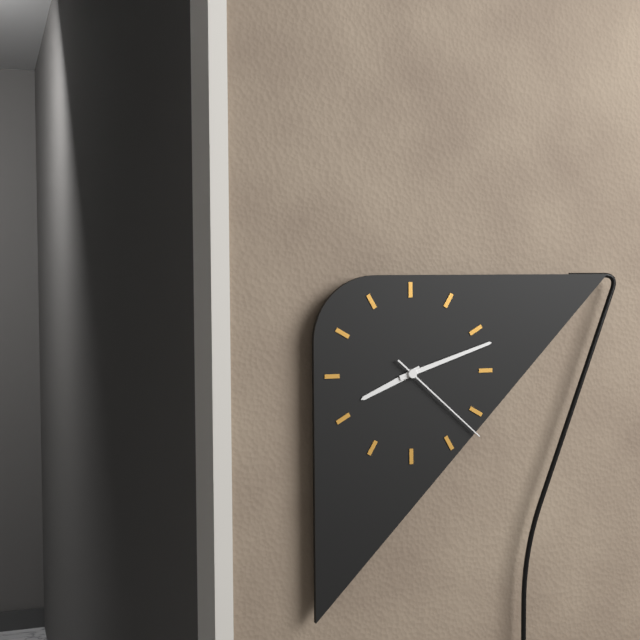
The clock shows **8:12:22**
